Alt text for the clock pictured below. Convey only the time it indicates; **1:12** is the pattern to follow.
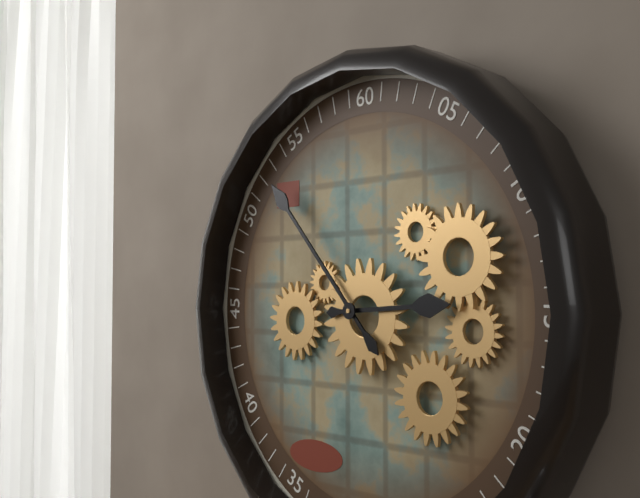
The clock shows **2:53**
